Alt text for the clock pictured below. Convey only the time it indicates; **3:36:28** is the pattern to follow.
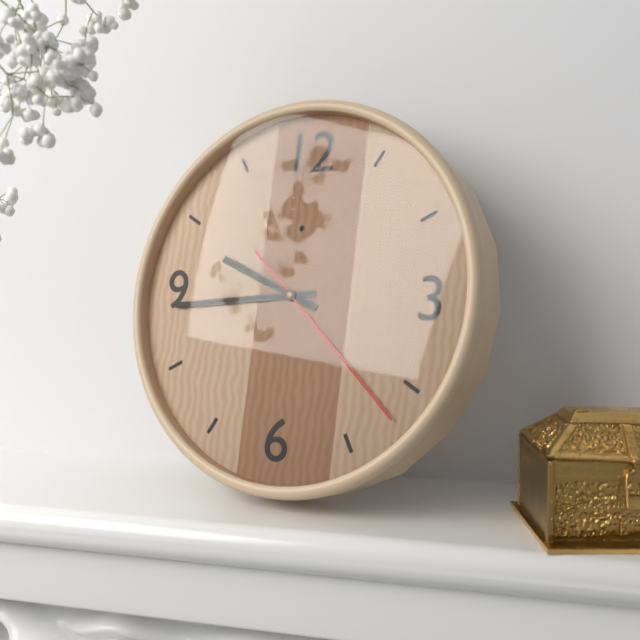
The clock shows **9:44:22**
